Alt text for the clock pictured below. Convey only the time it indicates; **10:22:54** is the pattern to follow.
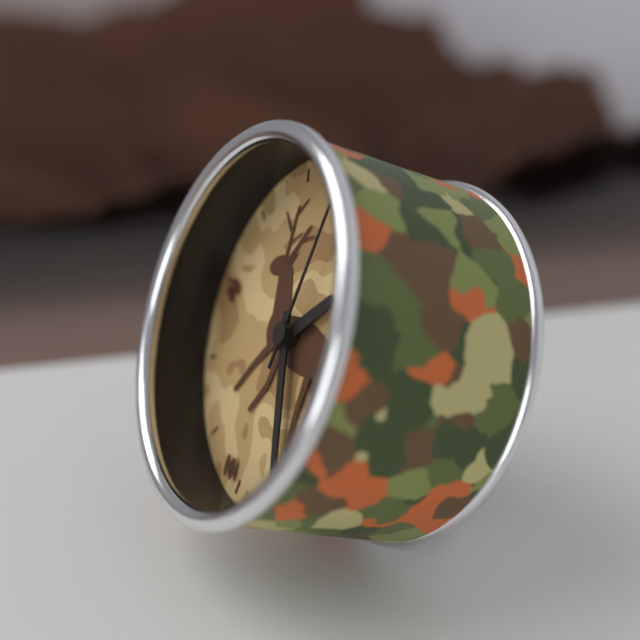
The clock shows **1:25:00**
